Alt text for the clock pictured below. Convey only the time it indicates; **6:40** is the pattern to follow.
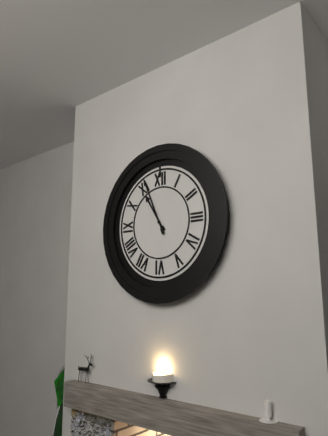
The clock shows **10:56**
